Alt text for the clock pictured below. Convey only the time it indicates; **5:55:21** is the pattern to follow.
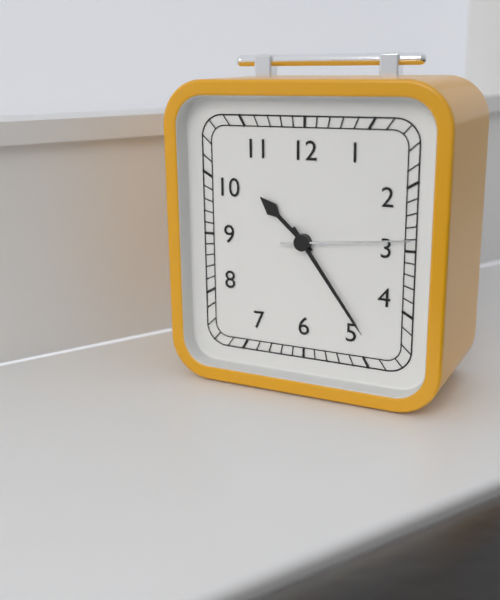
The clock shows **10:24:14**
